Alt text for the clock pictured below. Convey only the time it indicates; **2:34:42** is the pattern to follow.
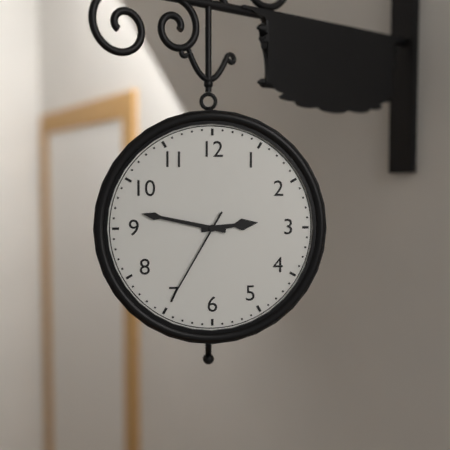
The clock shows **2:47:35**
